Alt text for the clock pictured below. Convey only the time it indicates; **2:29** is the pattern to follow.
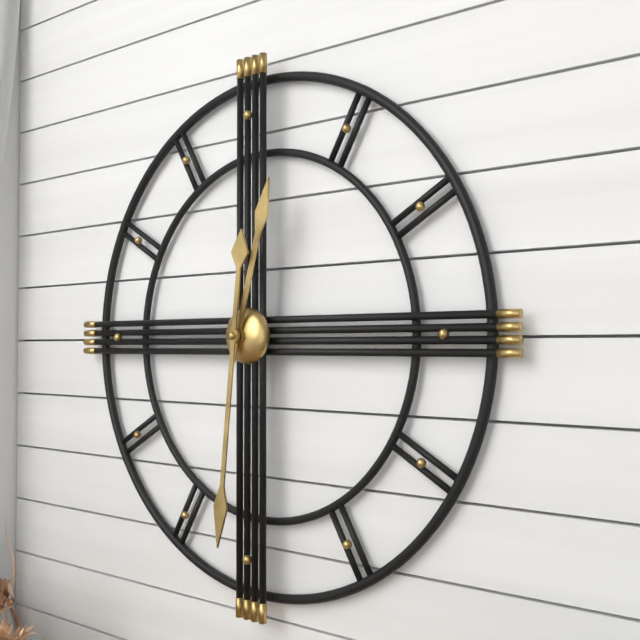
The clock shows **12:31**
